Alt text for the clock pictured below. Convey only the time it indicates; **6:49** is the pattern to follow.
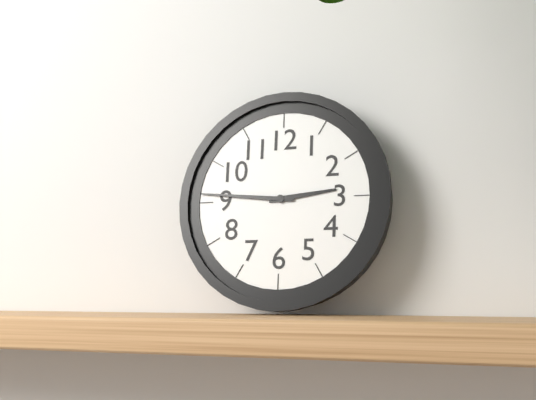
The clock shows **2:46**
